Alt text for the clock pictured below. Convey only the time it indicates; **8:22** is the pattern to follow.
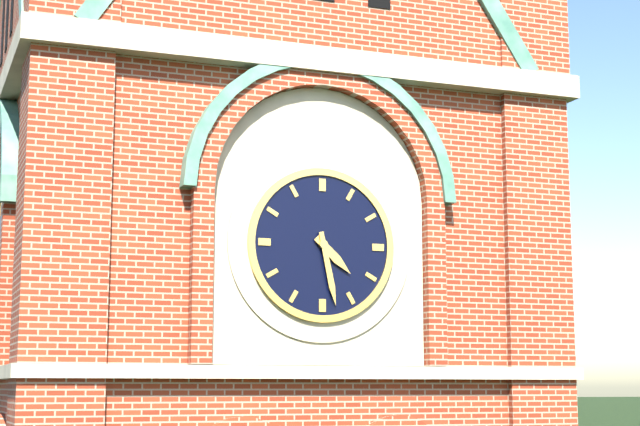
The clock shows **4:28**
